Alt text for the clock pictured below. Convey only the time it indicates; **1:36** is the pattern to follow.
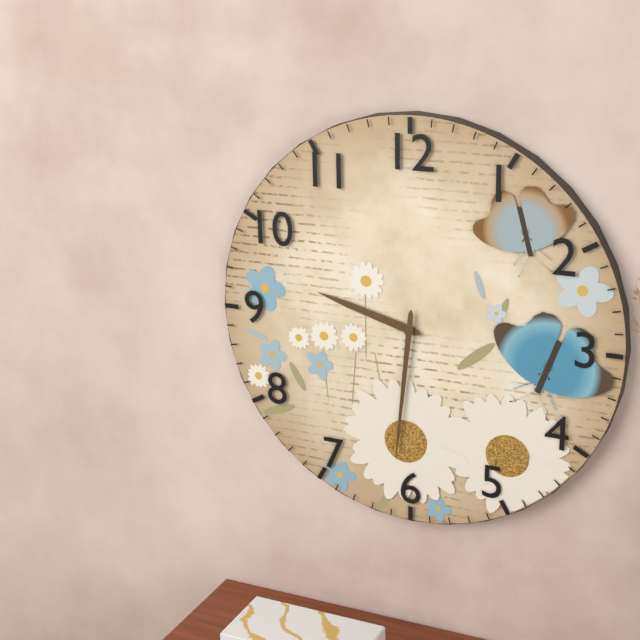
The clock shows **9:31**
